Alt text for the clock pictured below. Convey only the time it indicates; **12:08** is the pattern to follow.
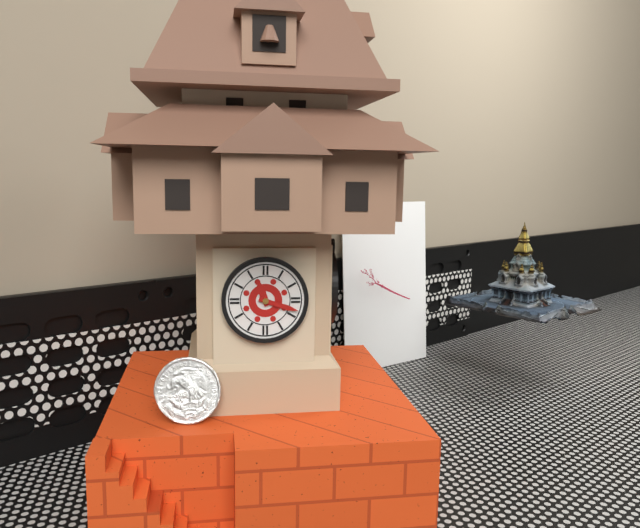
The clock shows **11:18**
